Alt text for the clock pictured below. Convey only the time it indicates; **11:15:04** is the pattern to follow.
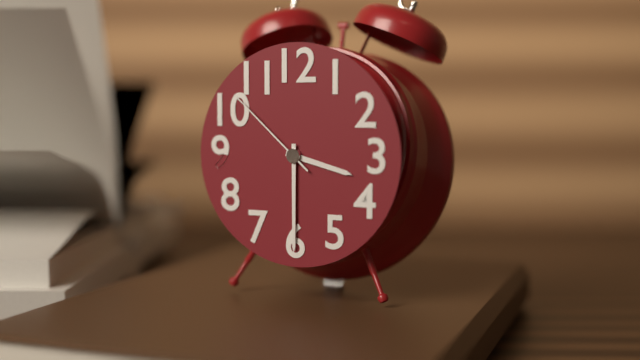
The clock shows **3:30:52**
